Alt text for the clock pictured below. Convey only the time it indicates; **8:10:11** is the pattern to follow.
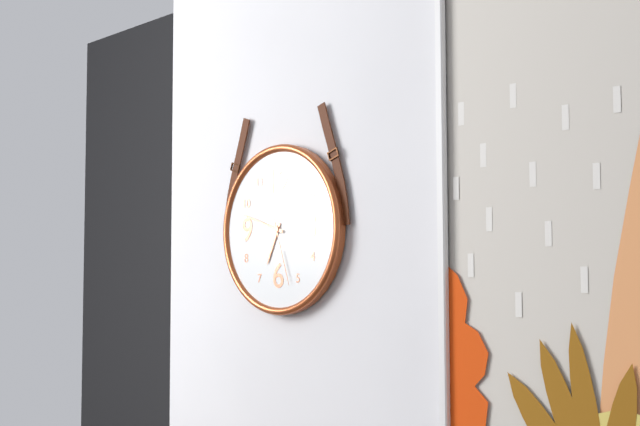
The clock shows **6:48:27**
